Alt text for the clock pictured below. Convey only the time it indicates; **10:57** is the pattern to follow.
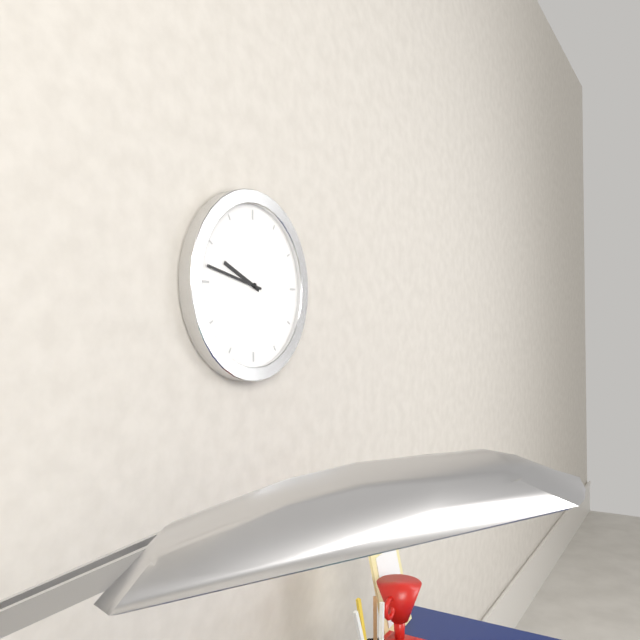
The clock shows **9:47**
